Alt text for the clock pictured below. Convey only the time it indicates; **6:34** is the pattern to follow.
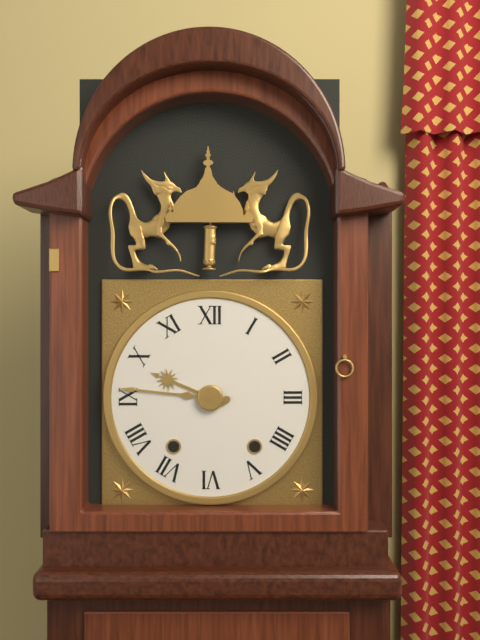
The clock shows **9:46**
